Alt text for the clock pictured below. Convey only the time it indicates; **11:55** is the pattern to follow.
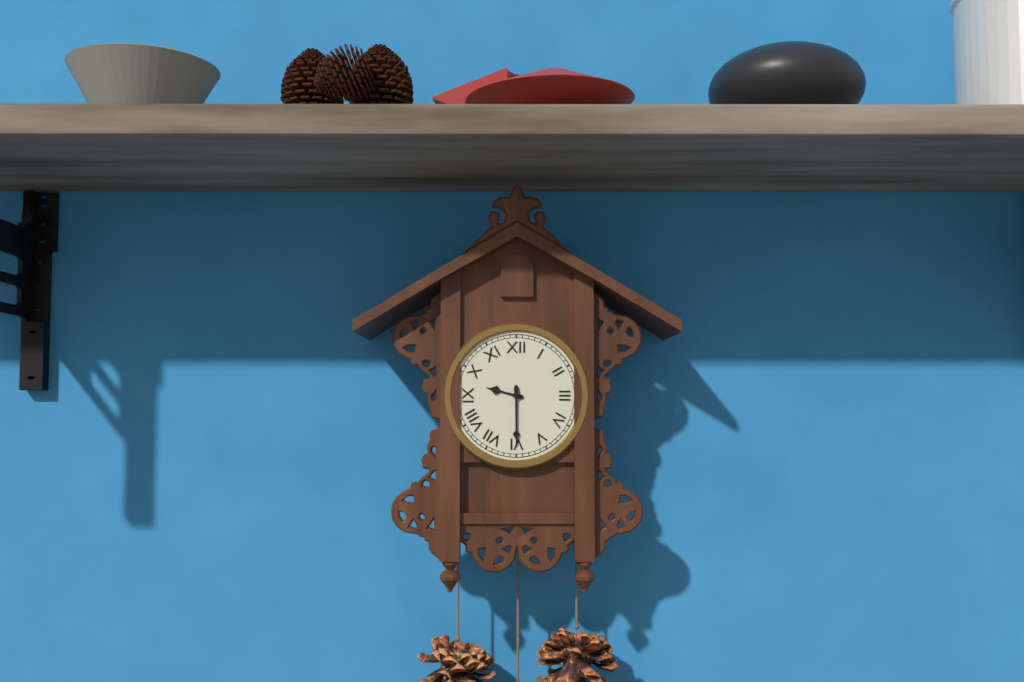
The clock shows **9:30**
